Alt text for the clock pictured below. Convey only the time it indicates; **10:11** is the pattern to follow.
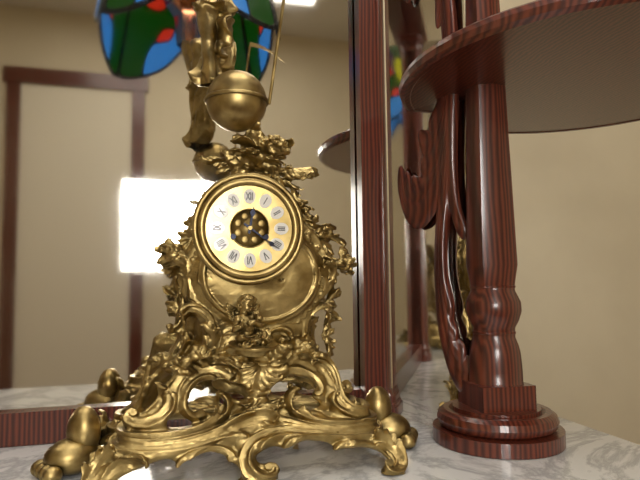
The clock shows **12:21**
